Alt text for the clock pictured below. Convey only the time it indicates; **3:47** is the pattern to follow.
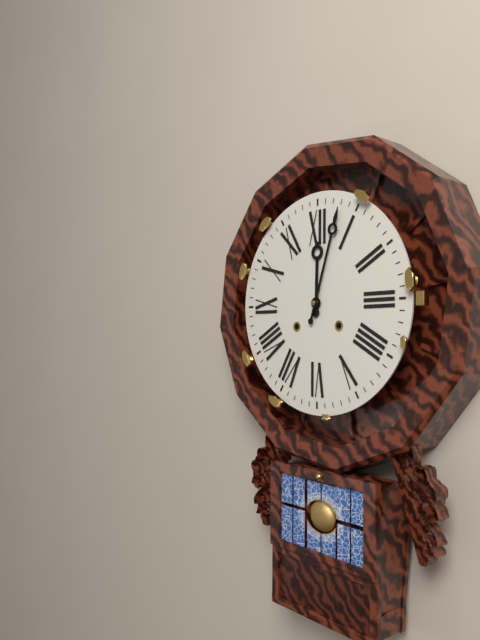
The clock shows **12:03**
